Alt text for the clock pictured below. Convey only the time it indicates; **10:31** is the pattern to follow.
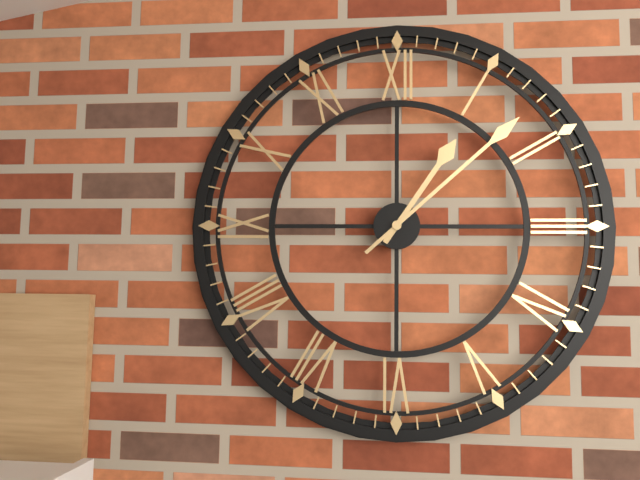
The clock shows **1:08**
